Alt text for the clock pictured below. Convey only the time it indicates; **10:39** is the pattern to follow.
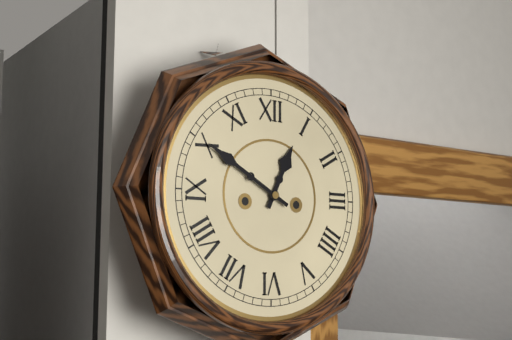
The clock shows **12:50**
